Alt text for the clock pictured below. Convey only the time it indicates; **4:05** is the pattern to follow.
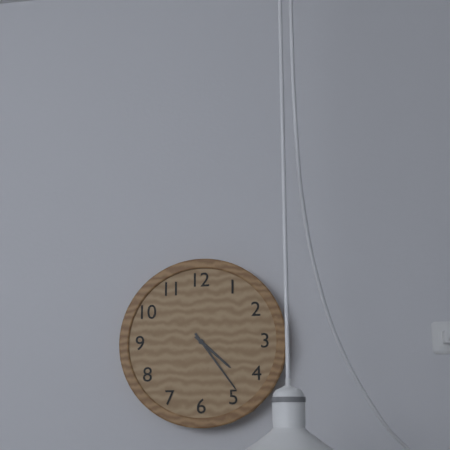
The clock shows **4:24**
